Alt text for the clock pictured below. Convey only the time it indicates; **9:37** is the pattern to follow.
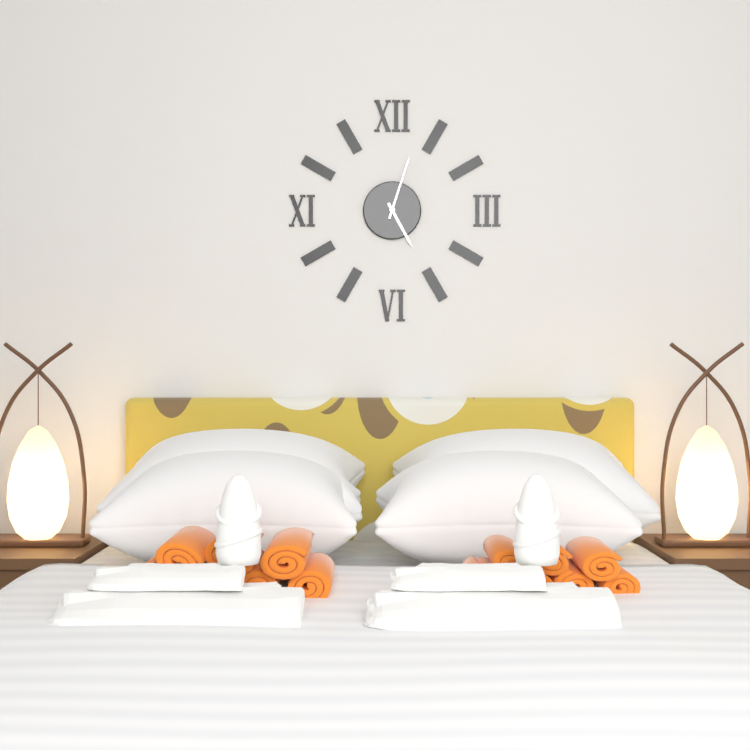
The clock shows **5:03**
